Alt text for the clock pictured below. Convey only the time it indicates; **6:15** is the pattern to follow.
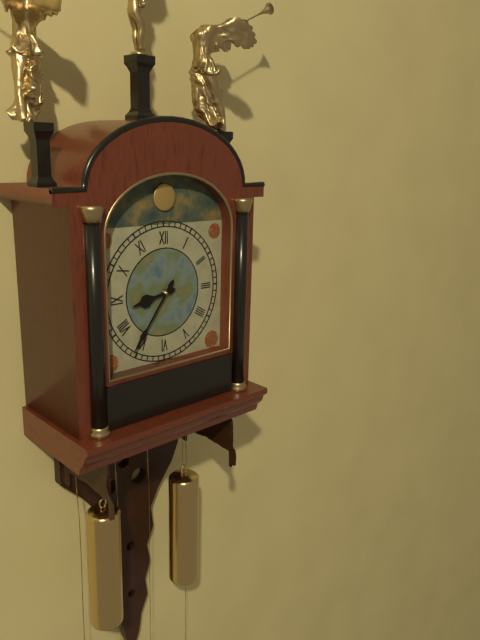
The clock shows **8:36**
